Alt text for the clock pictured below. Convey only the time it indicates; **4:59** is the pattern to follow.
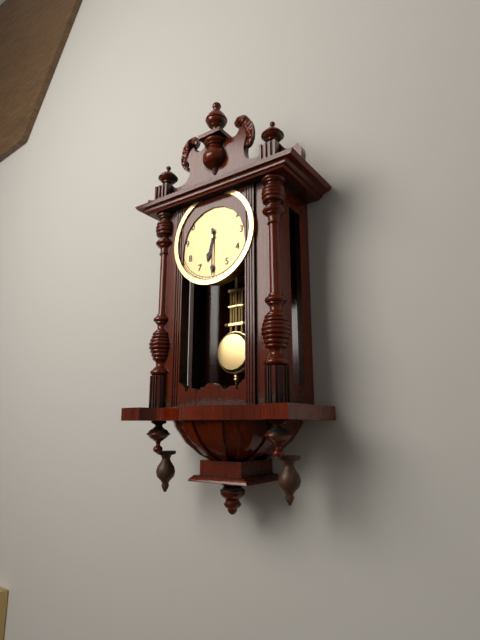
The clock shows **6:30**
